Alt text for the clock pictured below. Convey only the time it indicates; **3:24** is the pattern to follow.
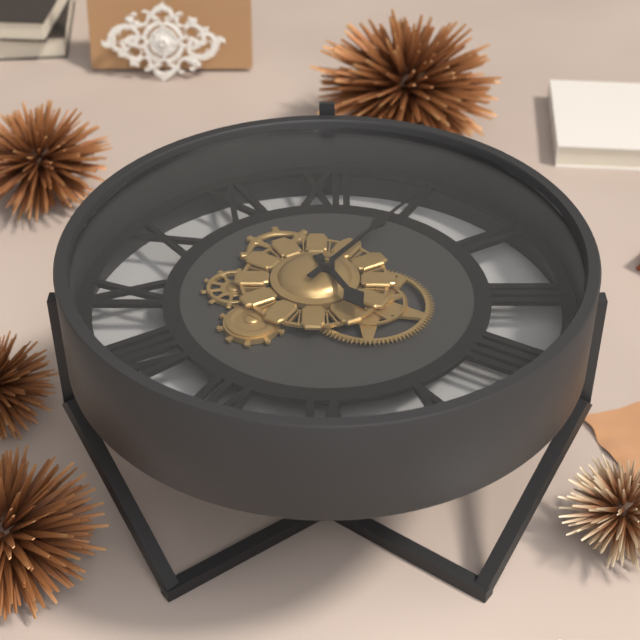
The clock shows **5:06**
